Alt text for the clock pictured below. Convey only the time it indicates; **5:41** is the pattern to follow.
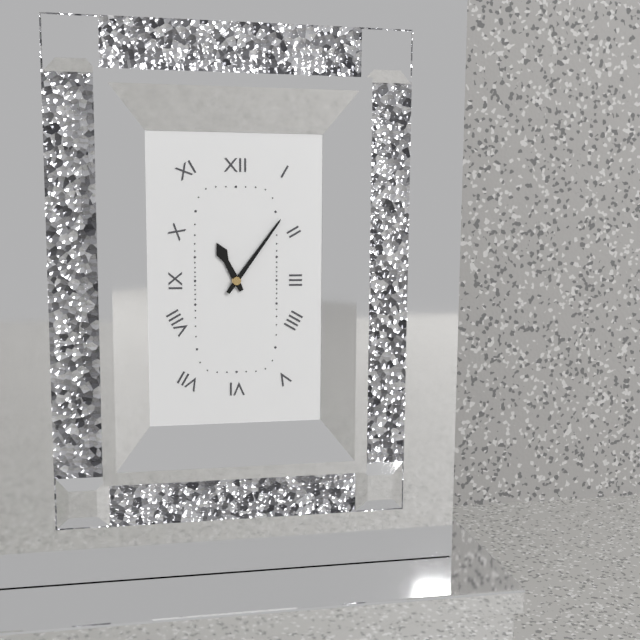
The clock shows **11:06**
